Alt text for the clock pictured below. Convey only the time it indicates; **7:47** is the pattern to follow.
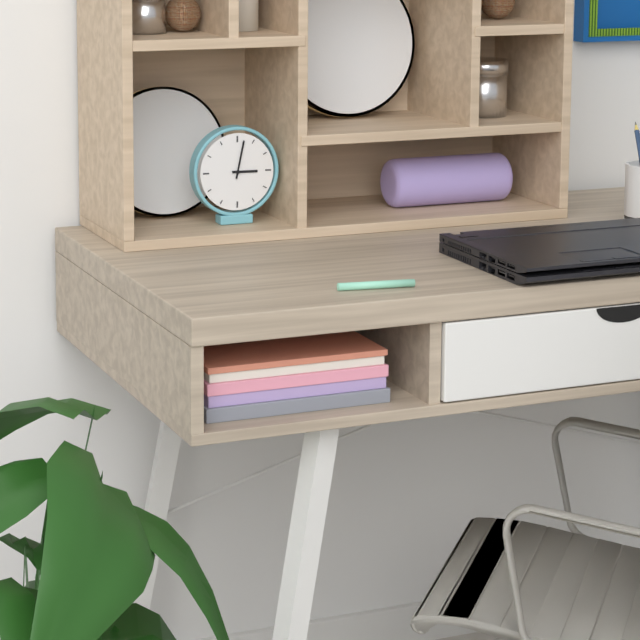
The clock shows **3:02**
